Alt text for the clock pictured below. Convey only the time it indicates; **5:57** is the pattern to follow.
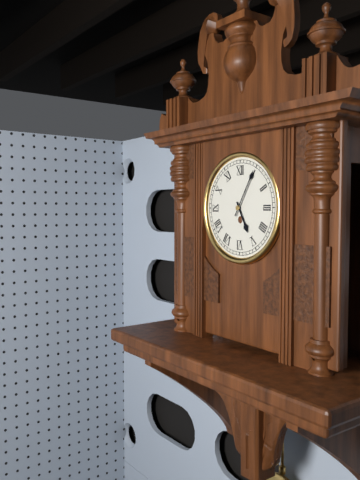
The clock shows **5:05**
